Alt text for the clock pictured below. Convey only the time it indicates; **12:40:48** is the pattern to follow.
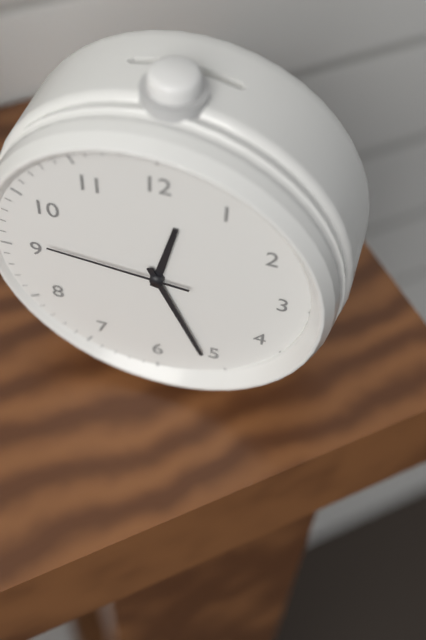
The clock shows **12:26:46**
